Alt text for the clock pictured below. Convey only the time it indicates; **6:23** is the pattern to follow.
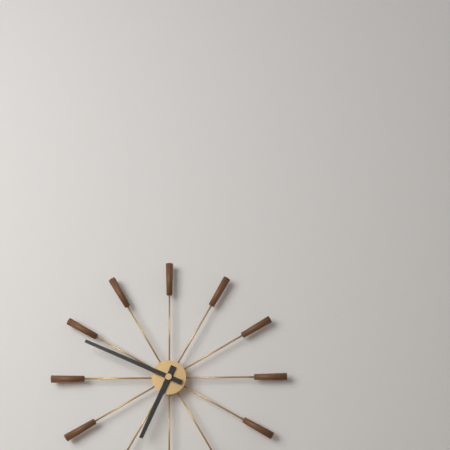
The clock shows **6:49**
